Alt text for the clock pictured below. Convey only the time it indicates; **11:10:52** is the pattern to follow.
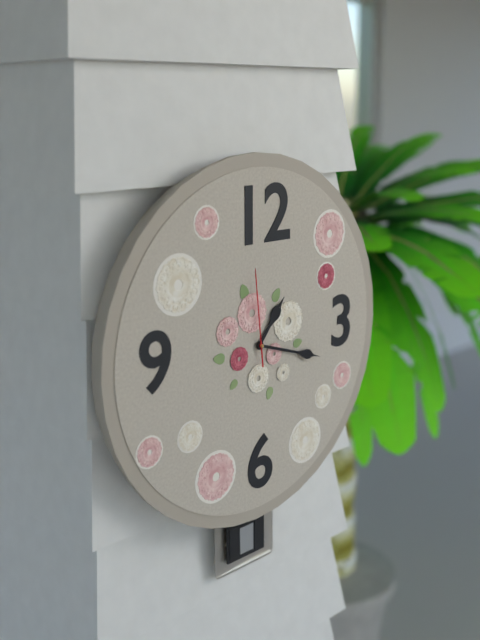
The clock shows **1:18:59**
